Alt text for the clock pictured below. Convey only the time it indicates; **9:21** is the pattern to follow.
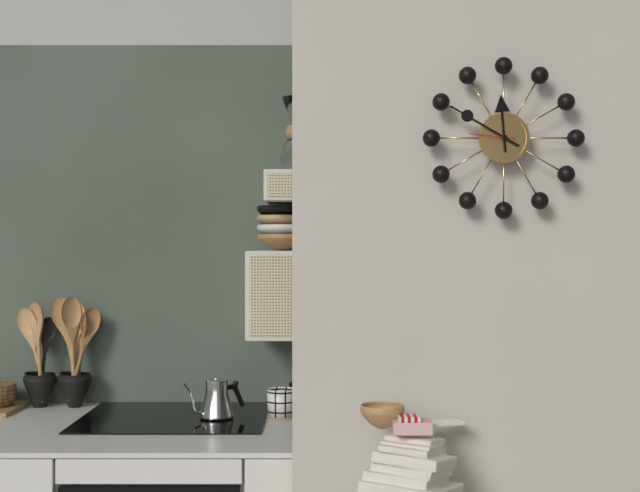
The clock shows **11:50**
